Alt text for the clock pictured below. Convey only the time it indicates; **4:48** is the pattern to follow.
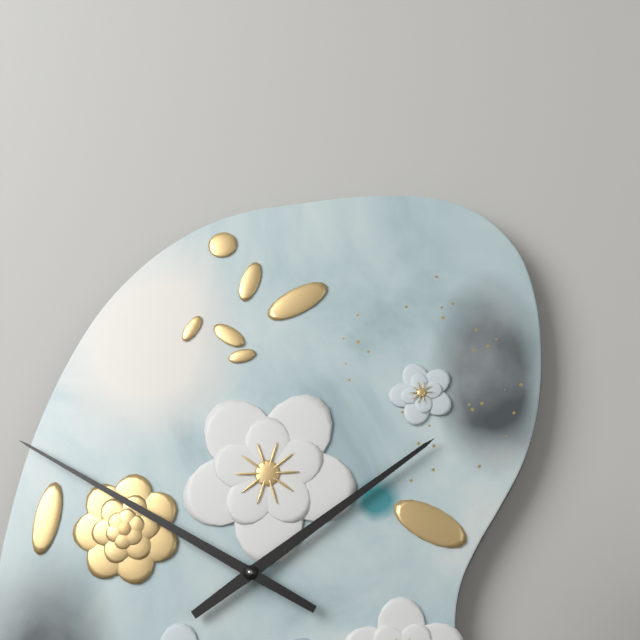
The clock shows **1:50**
